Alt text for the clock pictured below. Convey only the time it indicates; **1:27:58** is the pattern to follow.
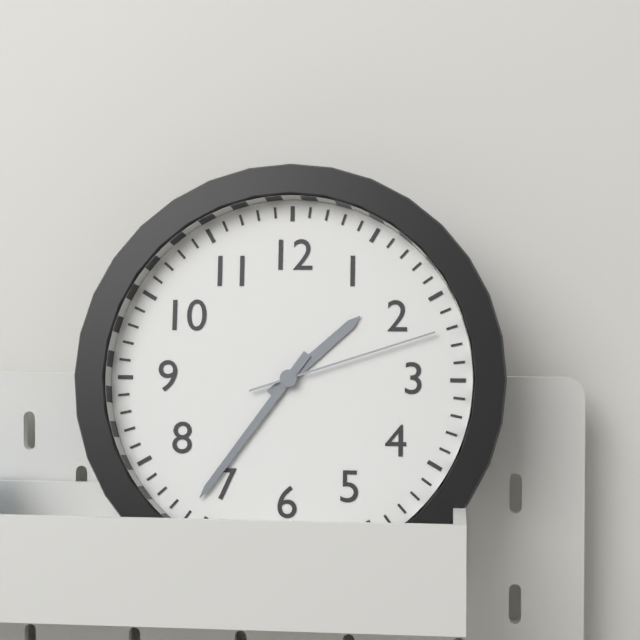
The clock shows **1:36:12**
